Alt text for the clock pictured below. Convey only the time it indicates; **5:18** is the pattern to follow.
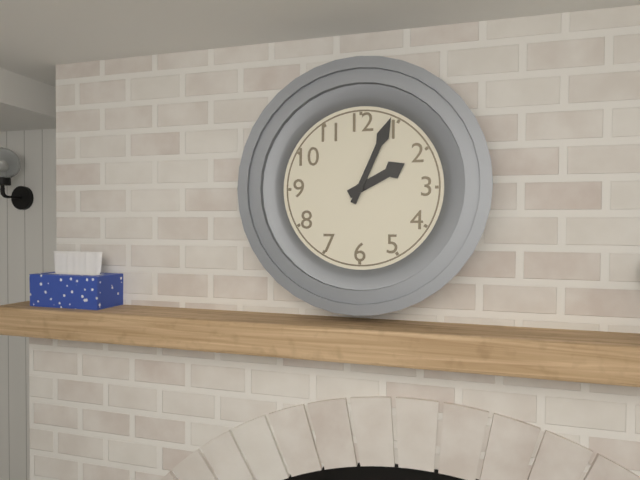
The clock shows **2:04**
